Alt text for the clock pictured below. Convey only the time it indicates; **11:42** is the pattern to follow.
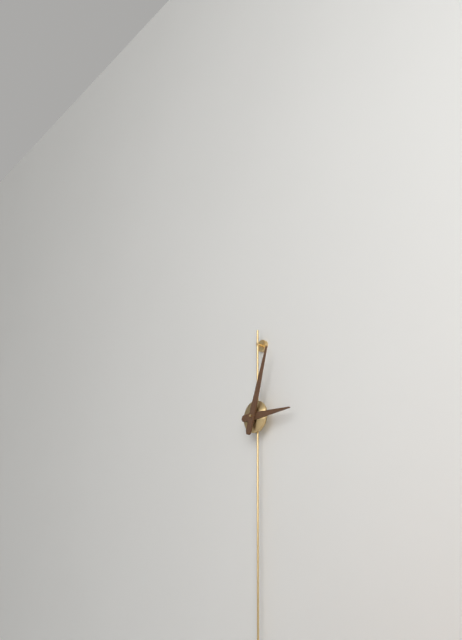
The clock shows **3:03**
